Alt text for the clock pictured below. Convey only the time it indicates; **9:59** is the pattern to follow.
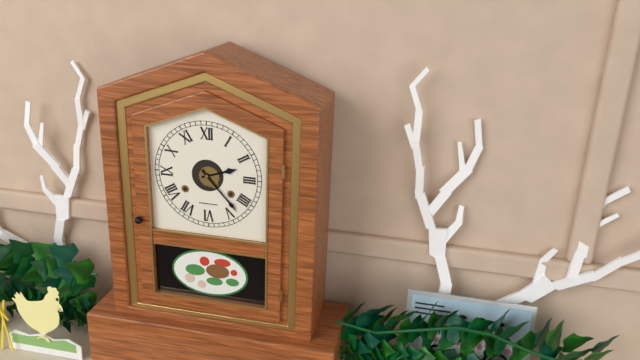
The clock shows **2:23**
